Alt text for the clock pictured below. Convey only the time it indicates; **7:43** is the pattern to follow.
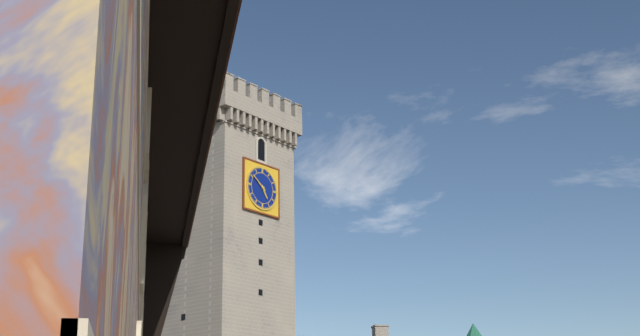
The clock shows **4:51**
